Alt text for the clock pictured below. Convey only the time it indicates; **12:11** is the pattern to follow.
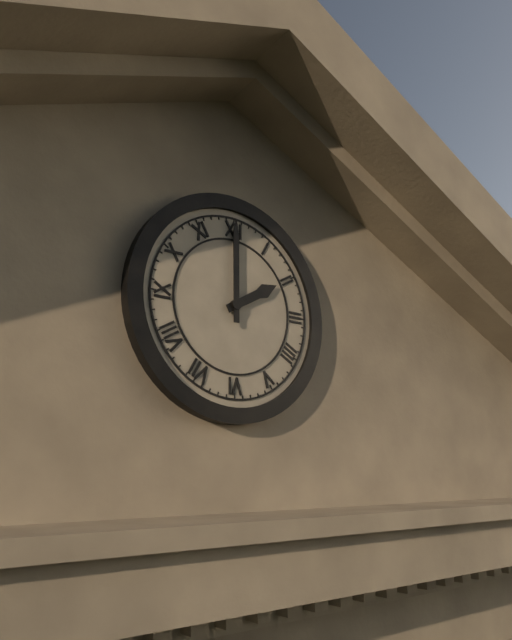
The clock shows **2:00**
